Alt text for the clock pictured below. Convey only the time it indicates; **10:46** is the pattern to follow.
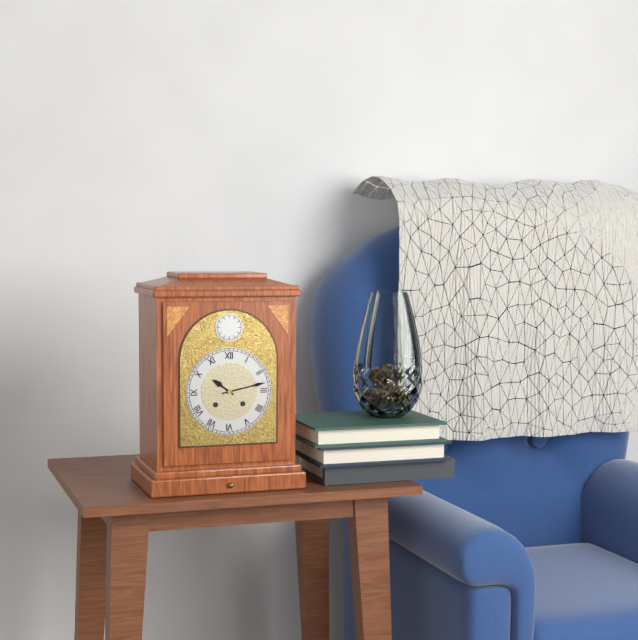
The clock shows **10:13**
